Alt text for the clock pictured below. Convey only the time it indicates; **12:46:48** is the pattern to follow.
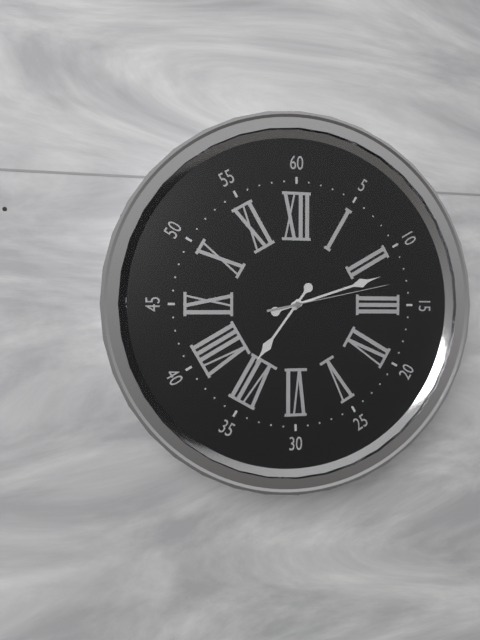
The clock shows **7:12:13**
